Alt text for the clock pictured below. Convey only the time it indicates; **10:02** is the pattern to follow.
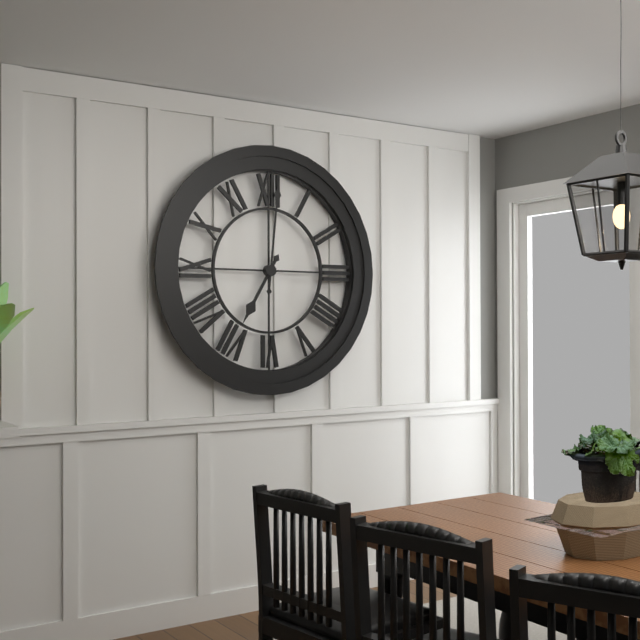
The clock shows **7:01**
